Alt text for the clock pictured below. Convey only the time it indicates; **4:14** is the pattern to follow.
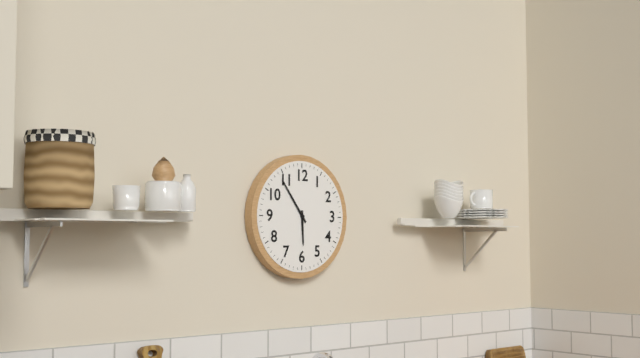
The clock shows **5:54**
